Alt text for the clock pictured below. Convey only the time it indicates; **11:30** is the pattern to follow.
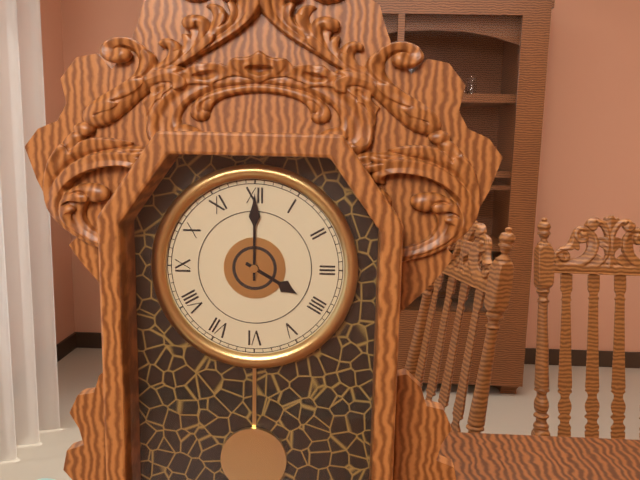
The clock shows **4:00**
